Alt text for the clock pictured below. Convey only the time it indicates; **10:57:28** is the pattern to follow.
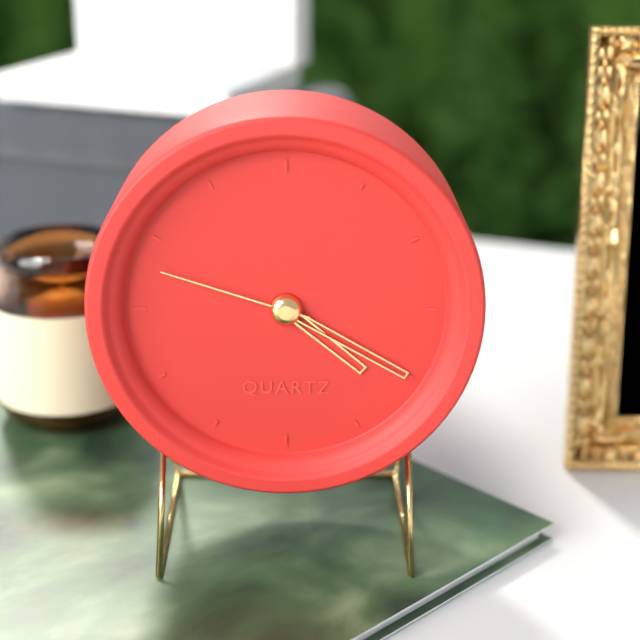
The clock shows **4:20:48**
